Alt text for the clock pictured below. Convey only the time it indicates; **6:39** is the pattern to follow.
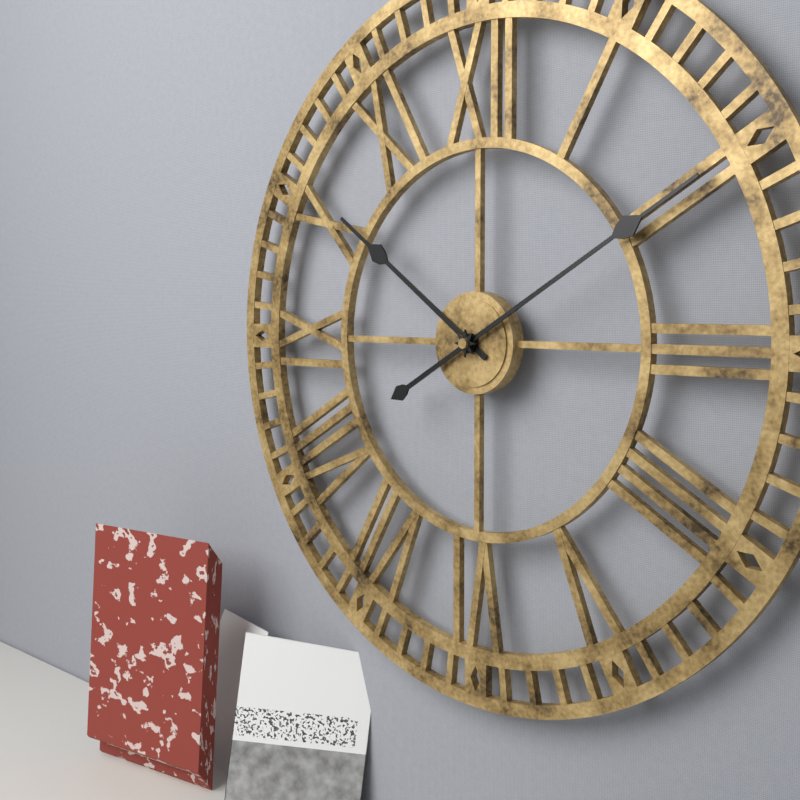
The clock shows **10:10**
